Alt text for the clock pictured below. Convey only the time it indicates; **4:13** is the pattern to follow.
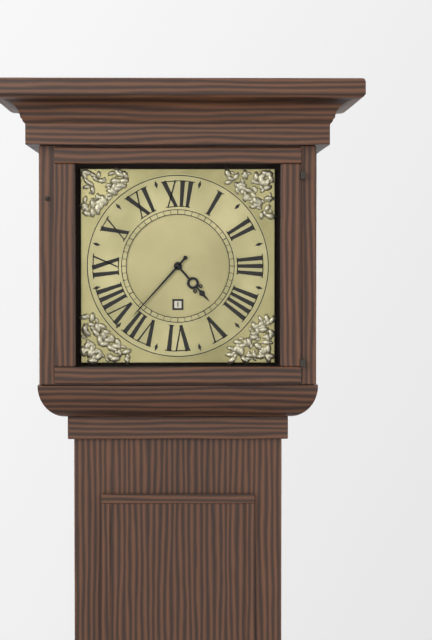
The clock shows **4:37**
